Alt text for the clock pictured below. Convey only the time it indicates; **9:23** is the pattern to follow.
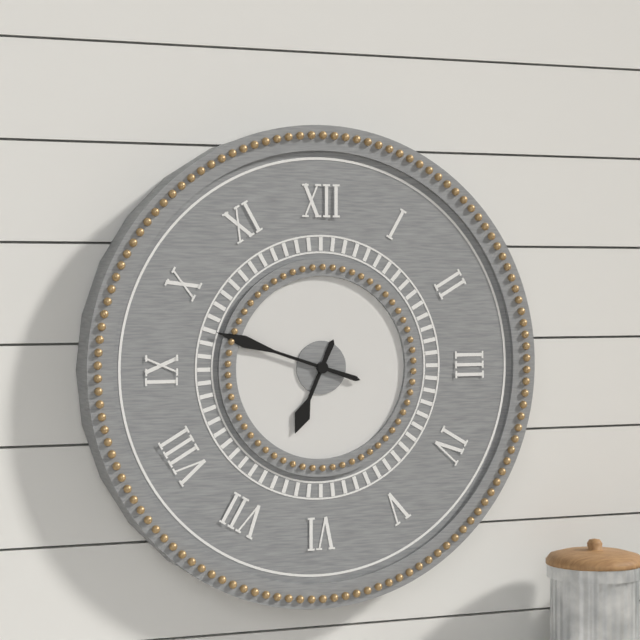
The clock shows **6:48**
